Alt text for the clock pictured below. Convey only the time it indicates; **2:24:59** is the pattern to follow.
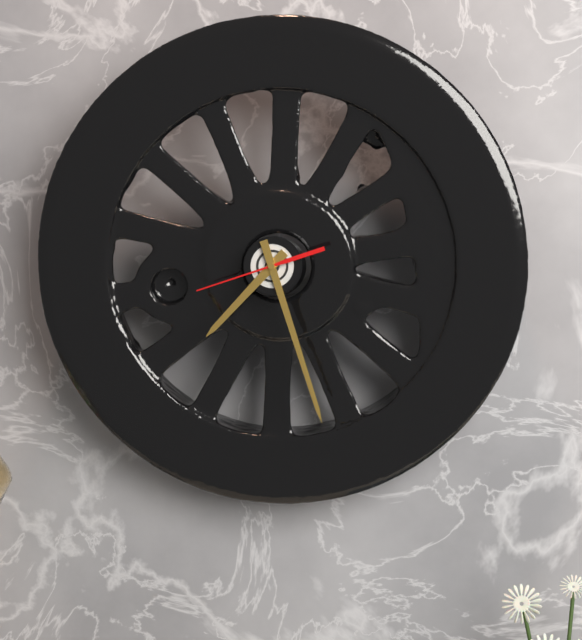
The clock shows **7:27:42**
